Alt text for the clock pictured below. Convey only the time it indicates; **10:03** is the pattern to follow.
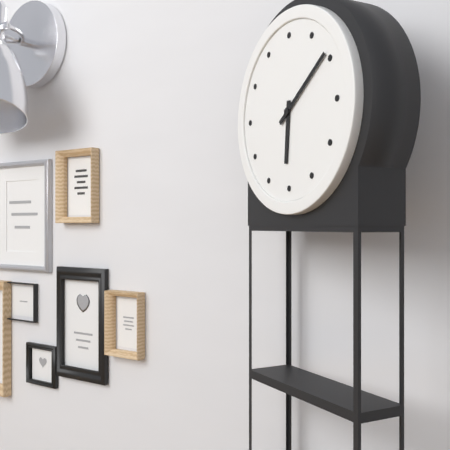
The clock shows **6:09**
